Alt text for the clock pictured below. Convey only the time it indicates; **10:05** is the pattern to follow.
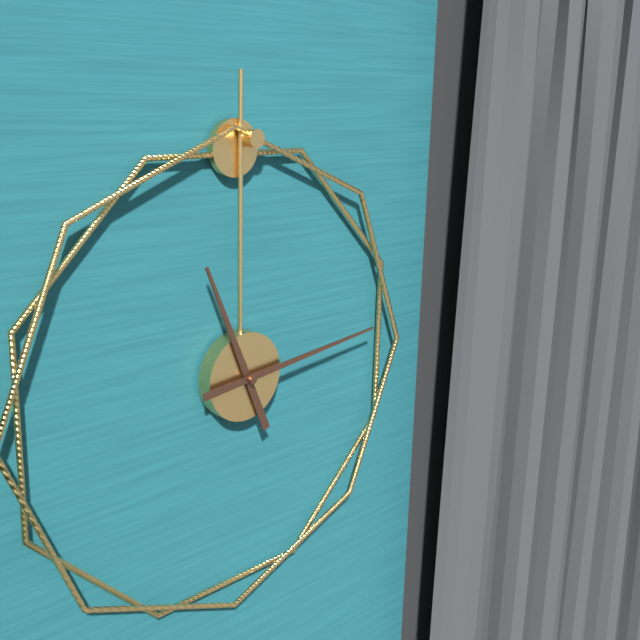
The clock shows **11:14**
